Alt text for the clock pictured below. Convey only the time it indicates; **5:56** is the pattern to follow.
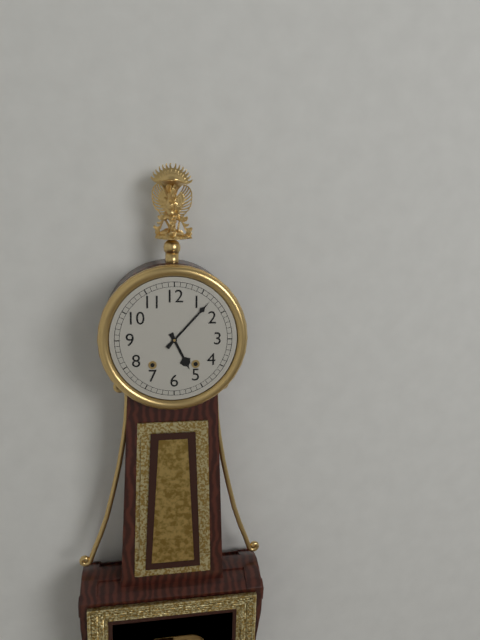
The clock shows **5:07**
